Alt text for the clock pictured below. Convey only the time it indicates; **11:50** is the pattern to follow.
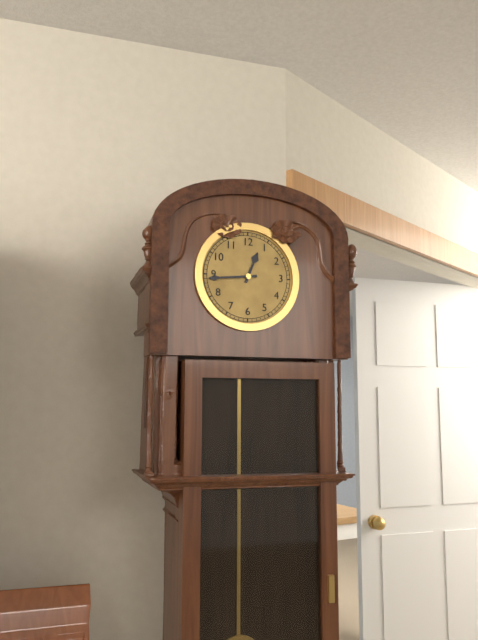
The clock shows **12:44**
